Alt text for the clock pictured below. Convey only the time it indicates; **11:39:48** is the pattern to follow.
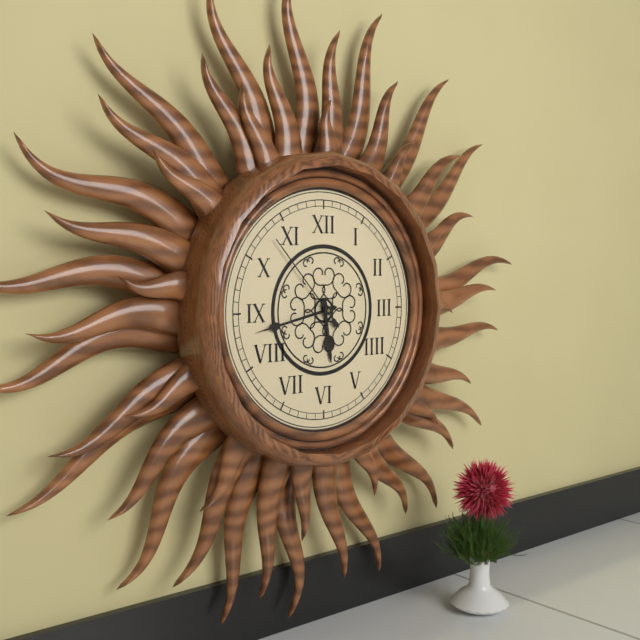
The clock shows **5:43:53**
